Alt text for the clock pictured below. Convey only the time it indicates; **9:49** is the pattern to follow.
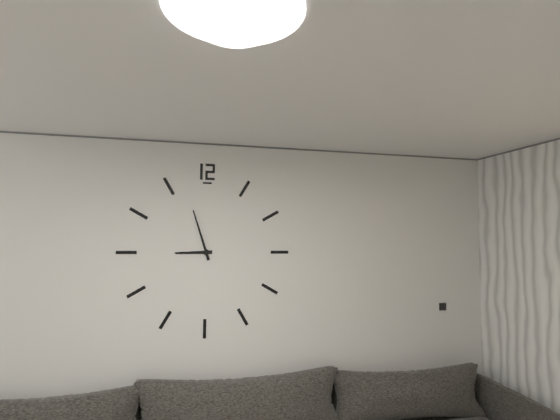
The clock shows **8:57**
